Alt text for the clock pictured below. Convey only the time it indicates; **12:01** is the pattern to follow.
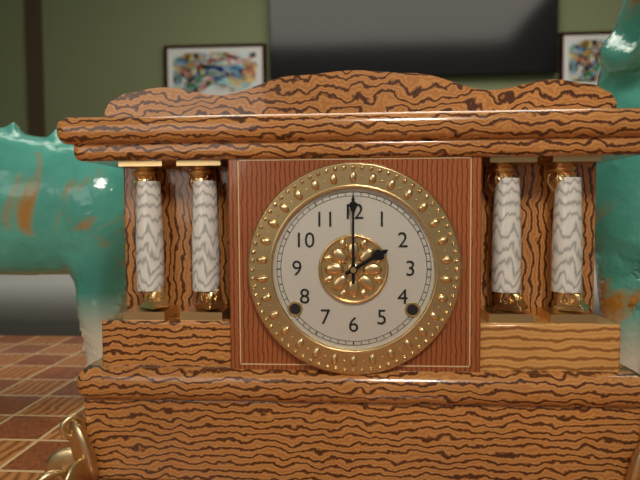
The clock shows **2:00**
